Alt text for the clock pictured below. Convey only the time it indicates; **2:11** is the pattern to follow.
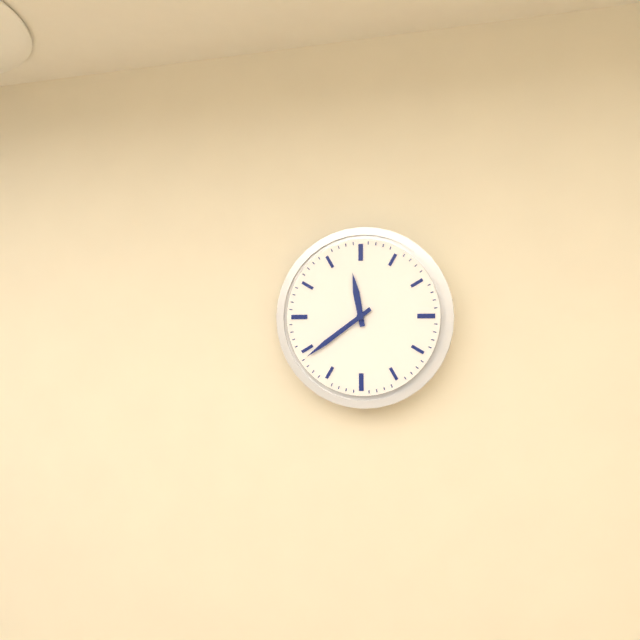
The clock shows **11:39**
